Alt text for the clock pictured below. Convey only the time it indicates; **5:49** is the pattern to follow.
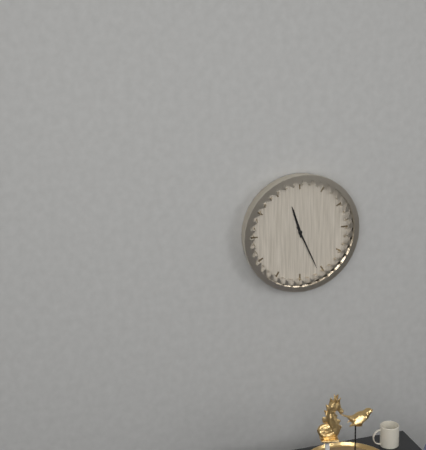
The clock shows **11:26**
